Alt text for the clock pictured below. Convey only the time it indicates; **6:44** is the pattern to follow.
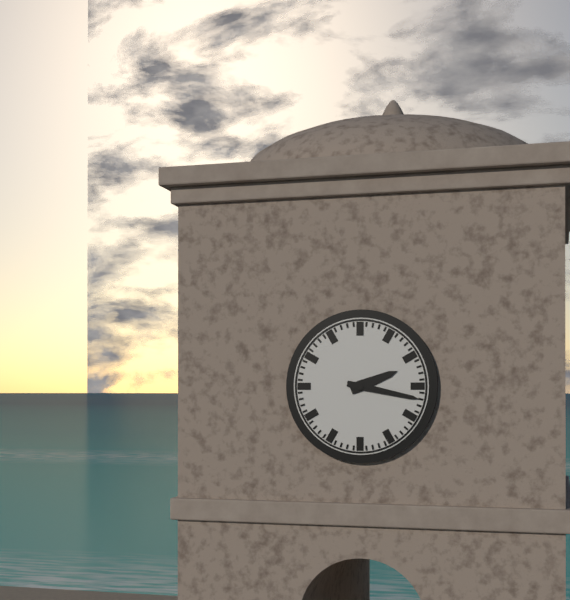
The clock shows **2:17**
